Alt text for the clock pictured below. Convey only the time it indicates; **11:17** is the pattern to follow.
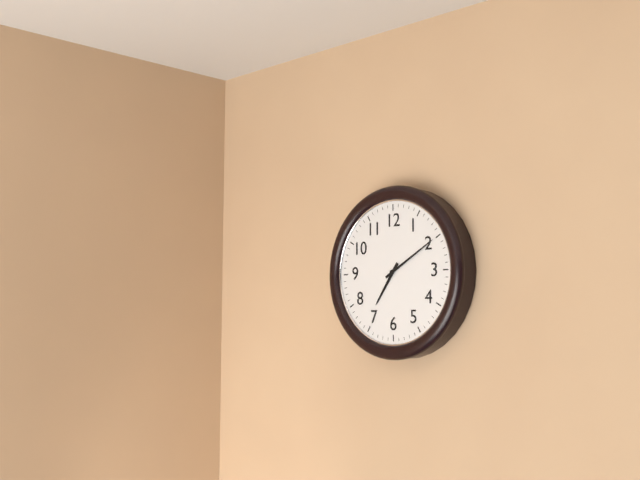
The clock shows **7:10**
